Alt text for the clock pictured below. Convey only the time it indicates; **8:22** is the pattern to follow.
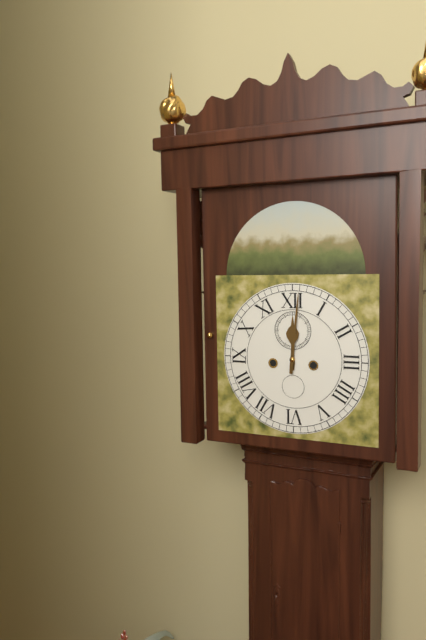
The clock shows **12:01**
